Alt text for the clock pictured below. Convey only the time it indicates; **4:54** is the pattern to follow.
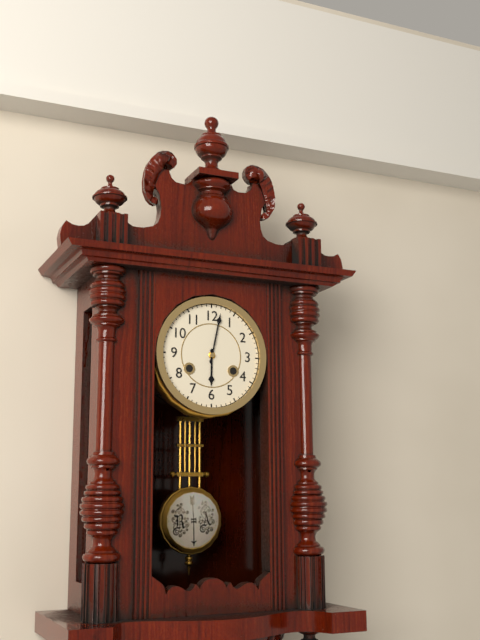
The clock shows **6:02**
